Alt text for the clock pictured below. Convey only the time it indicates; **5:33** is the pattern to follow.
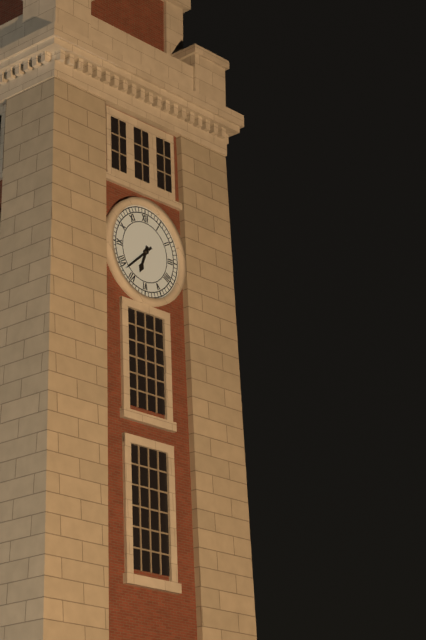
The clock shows **6:38**
